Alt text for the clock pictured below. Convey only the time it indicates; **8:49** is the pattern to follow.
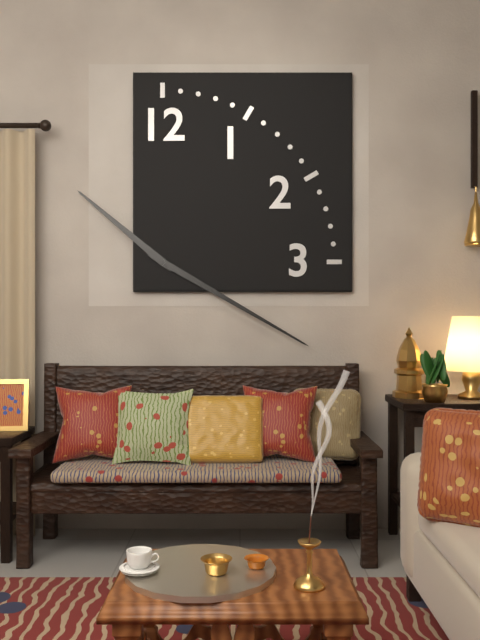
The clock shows **10:20**
